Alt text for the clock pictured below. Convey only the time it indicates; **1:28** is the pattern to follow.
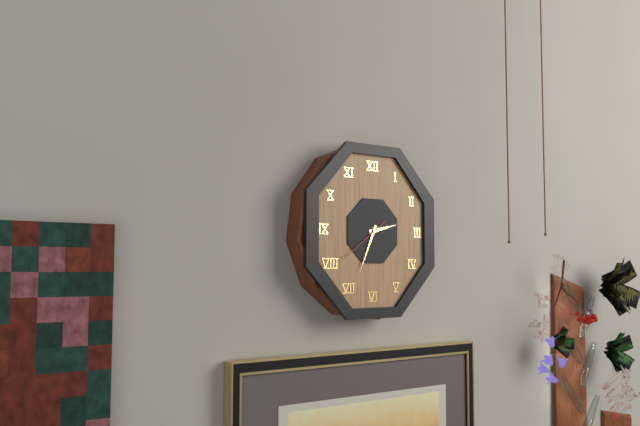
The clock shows **2:34**
